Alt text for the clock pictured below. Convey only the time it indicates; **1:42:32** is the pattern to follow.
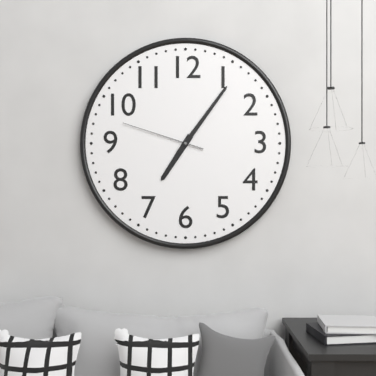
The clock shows **7:06:48**
